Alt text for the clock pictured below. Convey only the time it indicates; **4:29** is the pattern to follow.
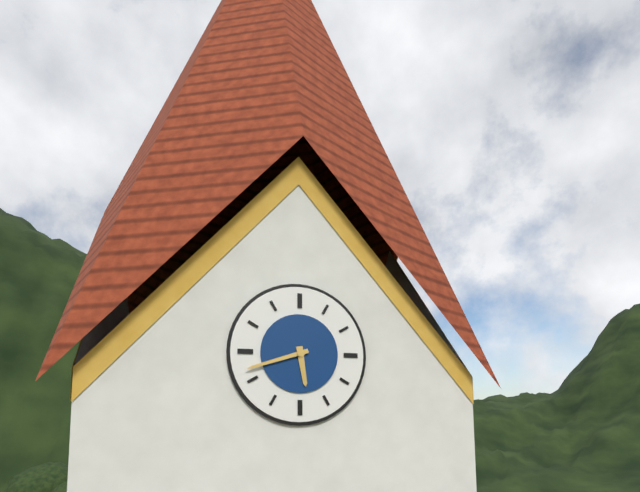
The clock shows **5:42**
